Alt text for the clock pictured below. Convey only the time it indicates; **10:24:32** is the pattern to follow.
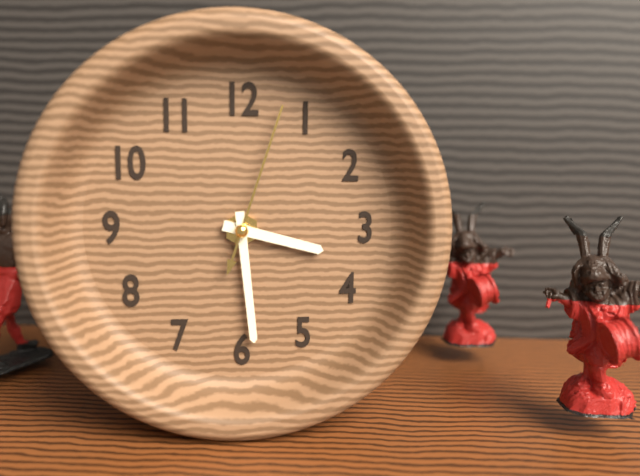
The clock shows **3:29:03**
